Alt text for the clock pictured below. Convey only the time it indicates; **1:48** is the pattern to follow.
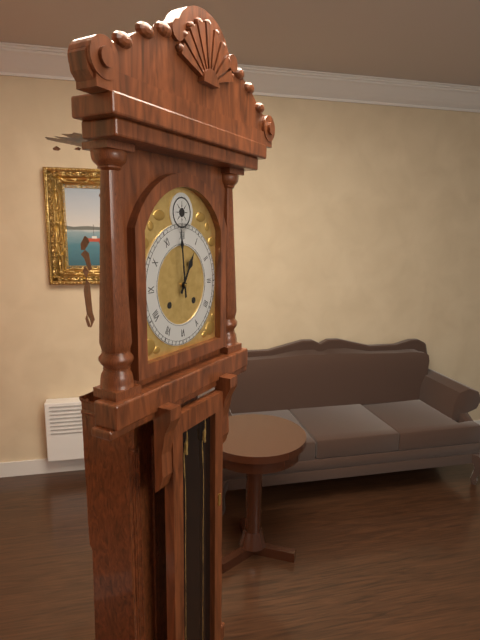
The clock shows **12:59**
